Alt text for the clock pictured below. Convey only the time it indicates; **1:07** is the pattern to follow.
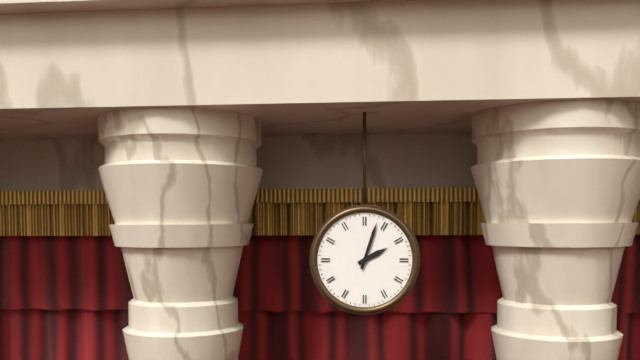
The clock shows **2:03**
